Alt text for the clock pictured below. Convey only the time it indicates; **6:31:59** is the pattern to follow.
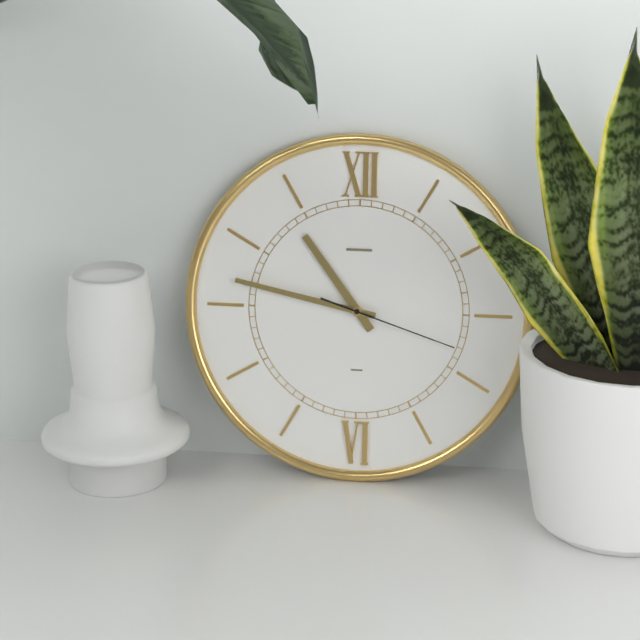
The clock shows **10:47:18**
